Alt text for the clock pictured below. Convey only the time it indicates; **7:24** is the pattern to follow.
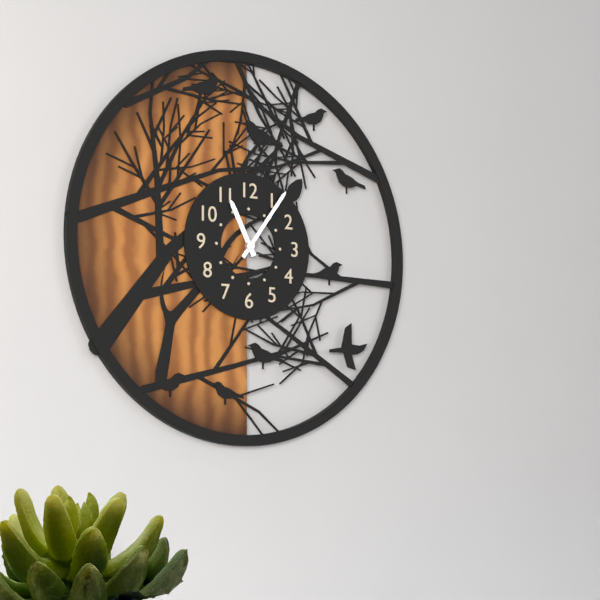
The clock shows **11:06**
